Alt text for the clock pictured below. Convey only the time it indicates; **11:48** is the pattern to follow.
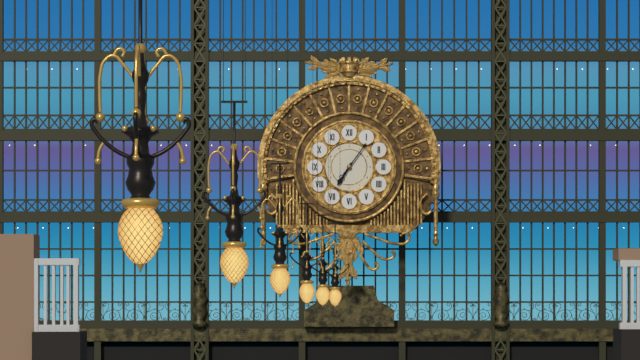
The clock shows **7:06**
